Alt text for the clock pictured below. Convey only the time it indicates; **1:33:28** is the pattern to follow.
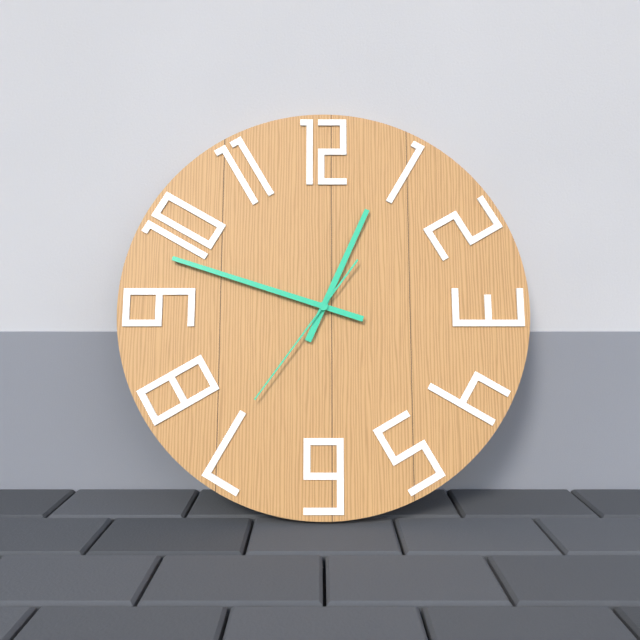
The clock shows **12:48:36**
